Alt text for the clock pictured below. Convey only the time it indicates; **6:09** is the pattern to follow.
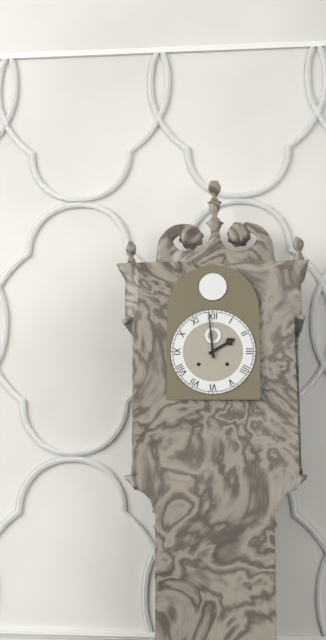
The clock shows **1:59**
